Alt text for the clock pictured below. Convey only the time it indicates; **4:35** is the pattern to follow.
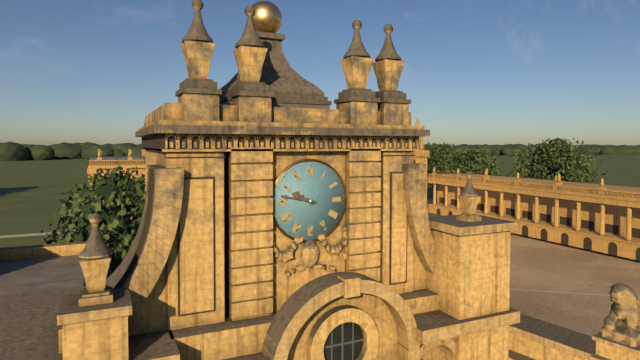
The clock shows **9:47**
